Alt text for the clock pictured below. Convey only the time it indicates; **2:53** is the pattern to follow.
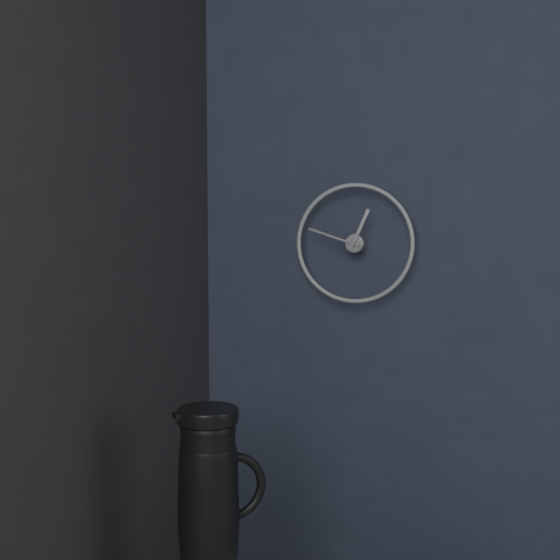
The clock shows **12:48**
